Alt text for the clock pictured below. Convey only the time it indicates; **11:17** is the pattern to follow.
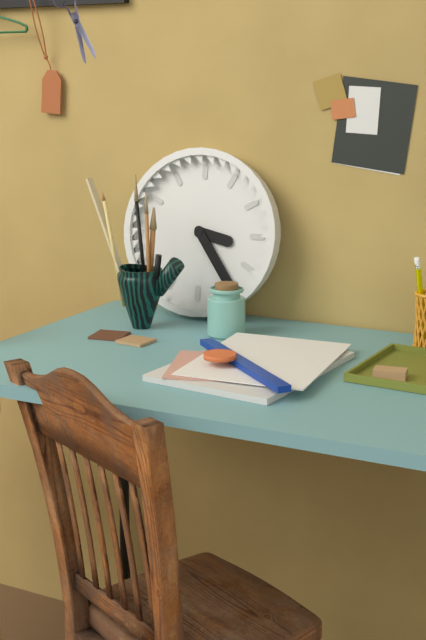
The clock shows **3:24**
